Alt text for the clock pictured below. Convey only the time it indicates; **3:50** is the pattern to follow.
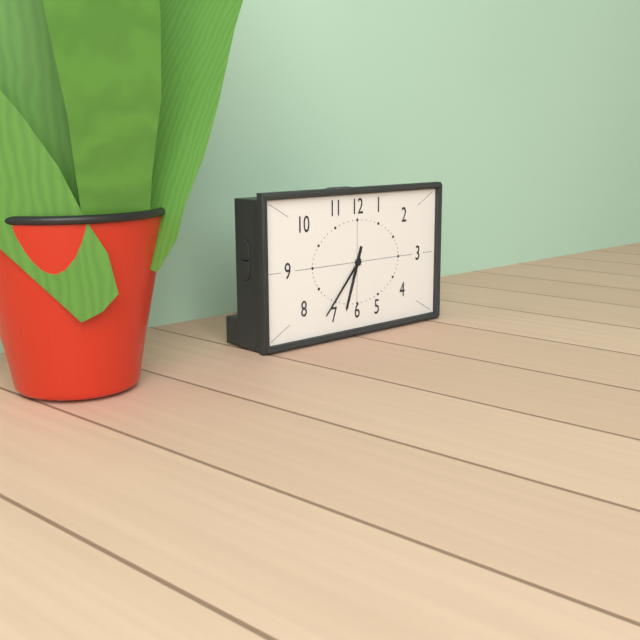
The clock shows **6:37**
